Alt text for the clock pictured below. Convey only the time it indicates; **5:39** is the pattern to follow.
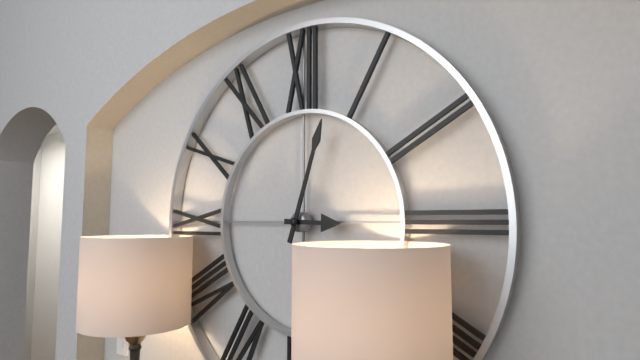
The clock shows **3:03**
